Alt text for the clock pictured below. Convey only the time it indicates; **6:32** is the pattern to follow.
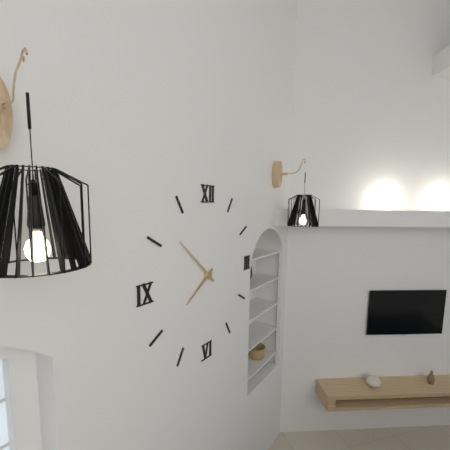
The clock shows **7:52**
